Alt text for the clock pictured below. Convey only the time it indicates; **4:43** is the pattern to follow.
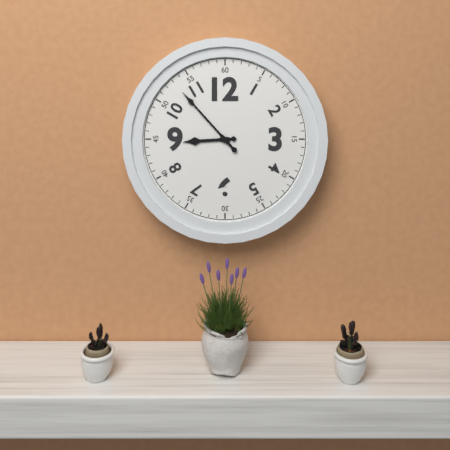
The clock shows **8:53**
